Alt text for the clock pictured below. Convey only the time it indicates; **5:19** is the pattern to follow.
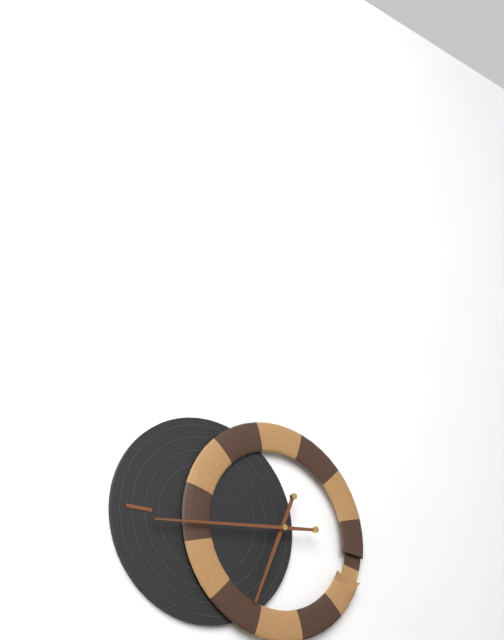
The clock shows **6:44**
